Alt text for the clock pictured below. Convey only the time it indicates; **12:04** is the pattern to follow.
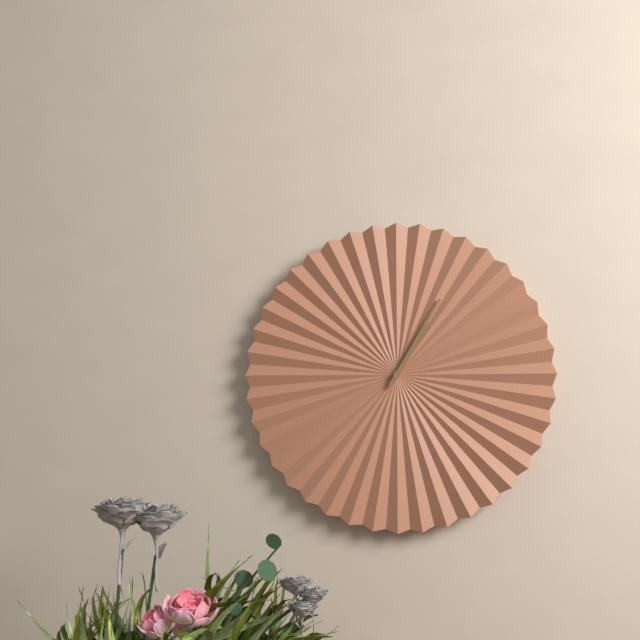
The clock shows **1:05**
